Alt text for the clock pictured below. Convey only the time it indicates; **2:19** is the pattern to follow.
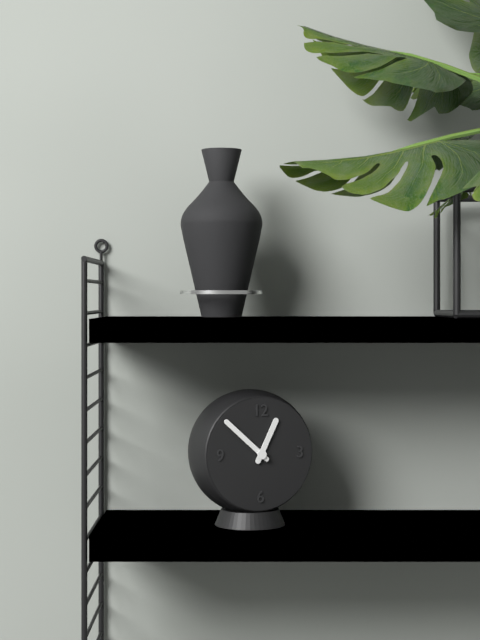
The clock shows **12:52**
